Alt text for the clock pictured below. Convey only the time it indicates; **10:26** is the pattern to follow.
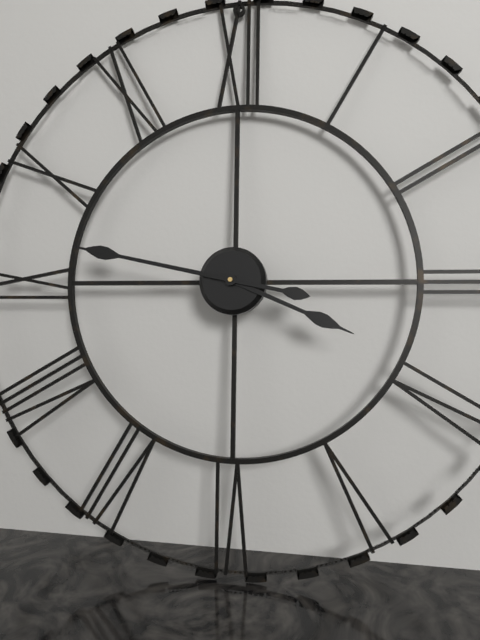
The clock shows **3:47**
